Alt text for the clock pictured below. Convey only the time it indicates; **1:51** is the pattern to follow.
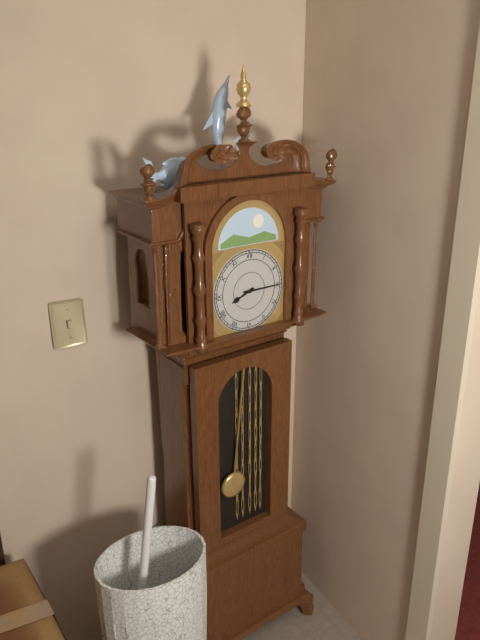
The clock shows **8:15**
